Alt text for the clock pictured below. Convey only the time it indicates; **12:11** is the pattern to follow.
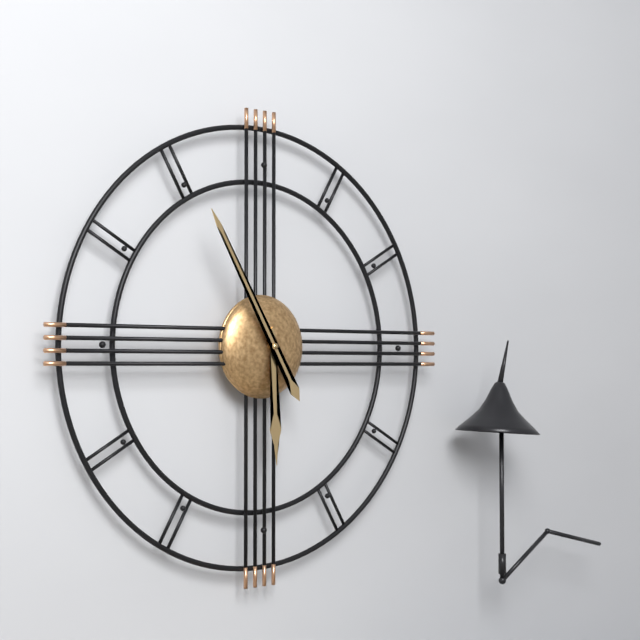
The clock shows **5:55**
